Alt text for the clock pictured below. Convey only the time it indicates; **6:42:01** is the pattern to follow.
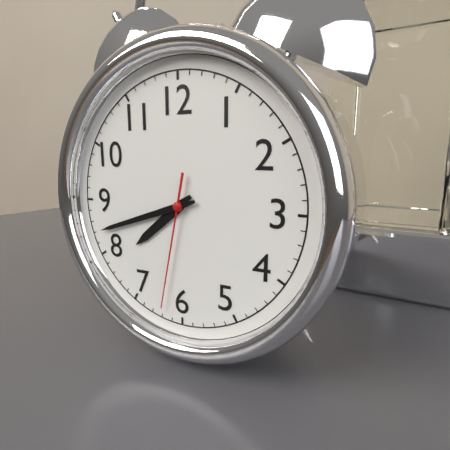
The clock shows **7:42:32**
